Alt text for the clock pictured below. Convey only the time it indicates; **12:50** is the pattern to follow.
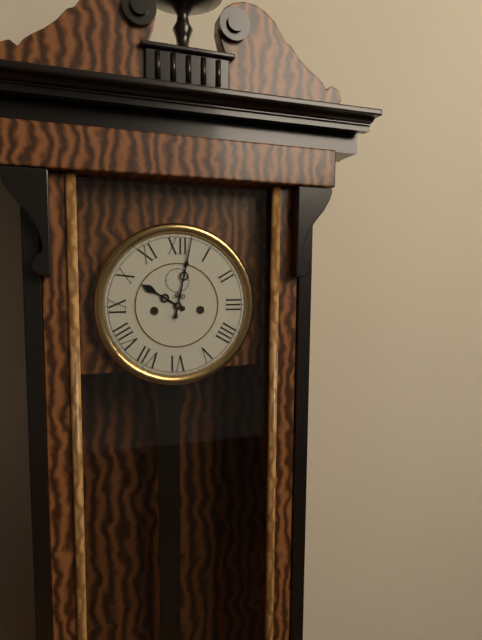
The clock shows **10:02**
